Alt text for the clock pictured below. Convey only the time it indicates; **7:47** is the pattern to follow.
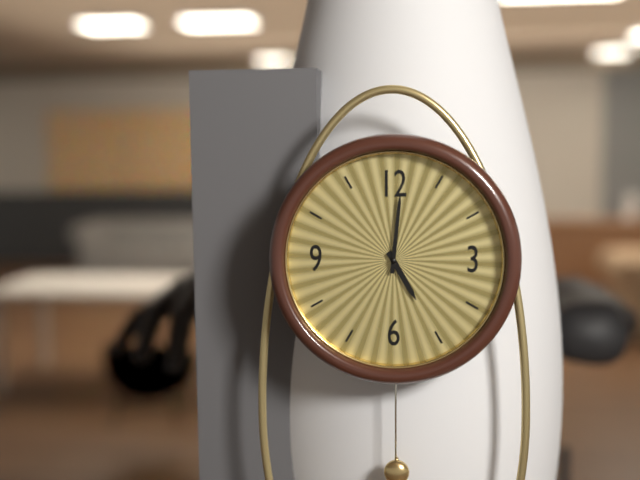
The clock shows **5:01**
